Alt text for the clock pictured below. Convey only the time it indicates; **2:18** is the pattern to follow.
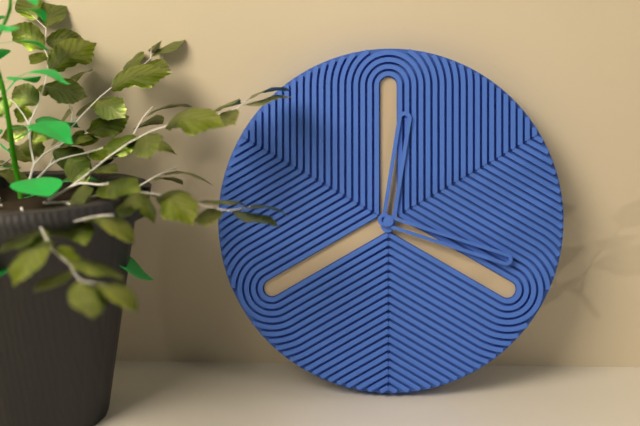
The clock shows **12:18**
